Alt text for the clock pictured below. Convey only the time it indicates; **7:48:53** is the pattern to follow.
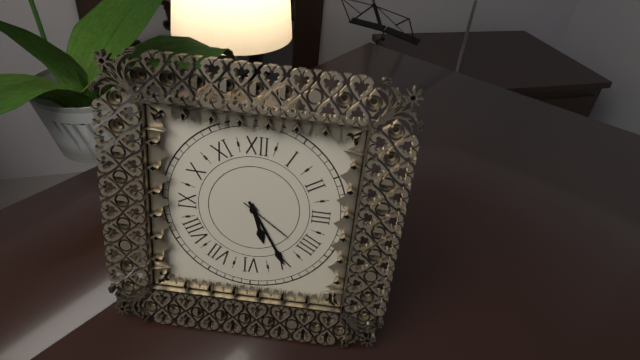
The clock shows **5:25:21**
